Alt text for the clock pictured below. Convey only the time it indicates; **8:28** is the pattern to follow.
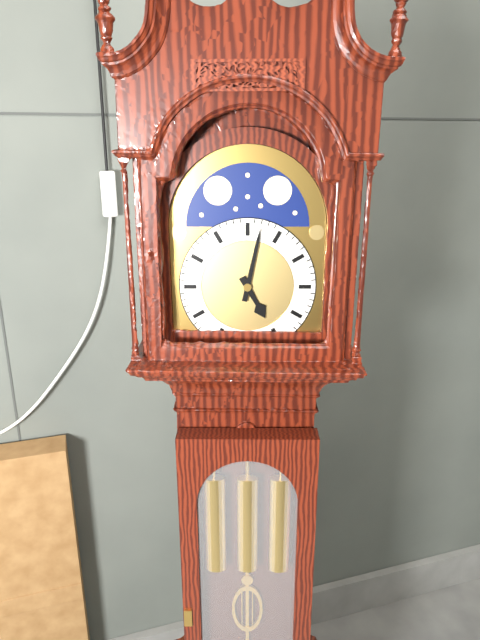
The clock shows **5:02**
